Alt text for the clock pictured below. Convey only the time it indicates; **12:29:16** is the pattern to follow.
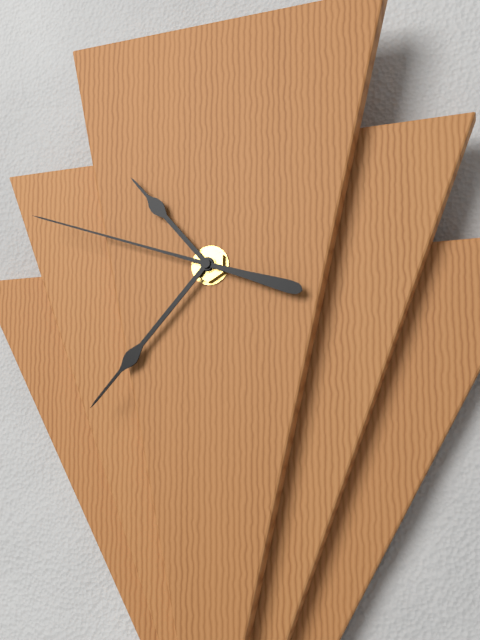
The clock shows **10:37:48**
